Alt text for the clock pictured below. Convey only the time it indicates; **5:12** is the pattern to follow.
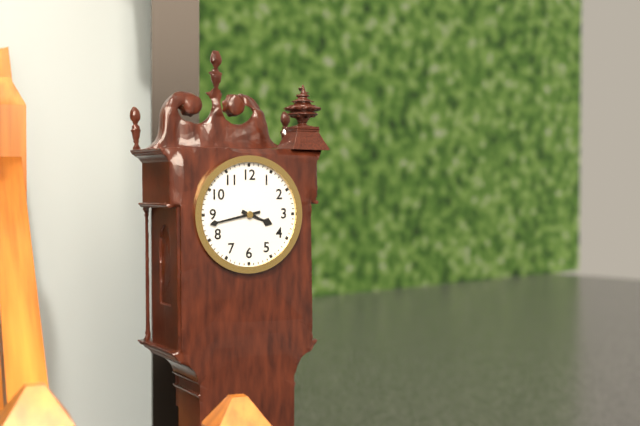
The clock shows **3:43**
